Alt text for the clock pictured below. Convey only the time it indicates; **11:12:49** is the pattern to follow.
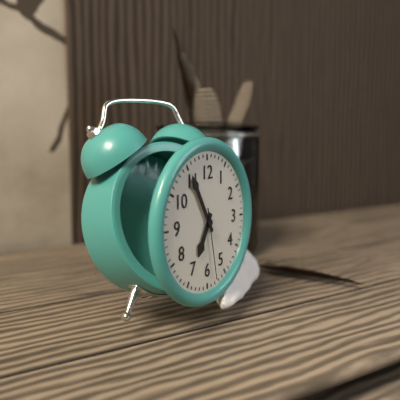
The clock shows **6:55:28**
